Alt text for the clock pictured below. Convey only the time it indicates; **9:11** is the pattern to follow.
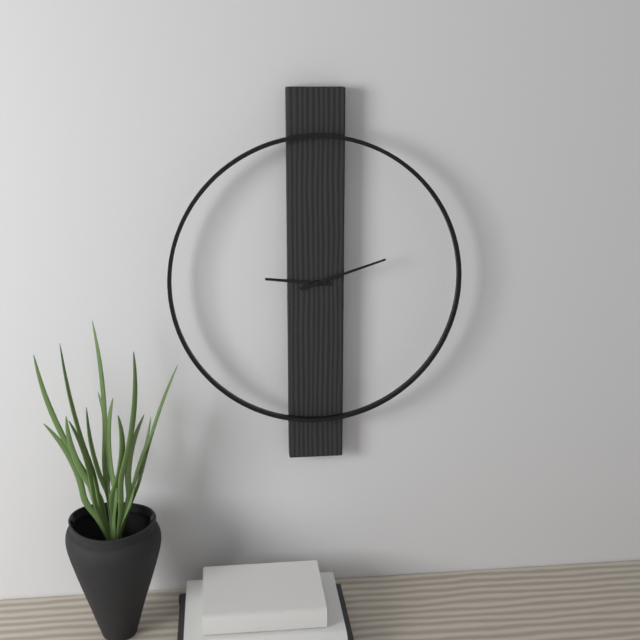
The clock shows **9:12**
